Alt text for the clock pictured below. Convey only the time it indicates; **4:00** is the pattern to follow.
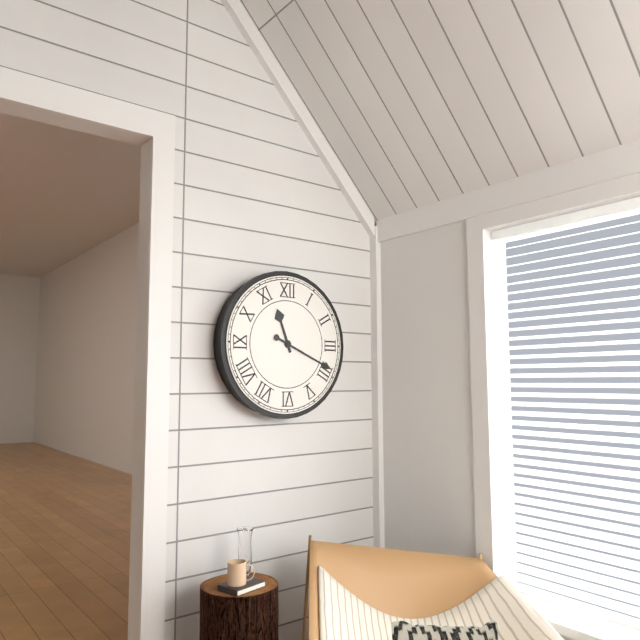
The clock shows **11:19**
